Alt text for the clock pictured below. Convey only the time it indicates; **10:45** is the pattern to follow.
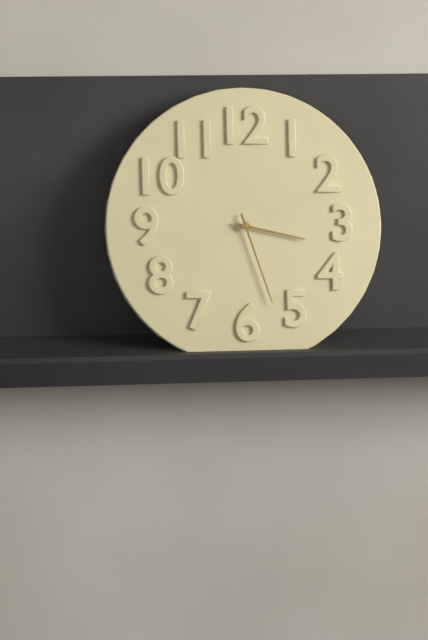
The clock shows **3:27**
